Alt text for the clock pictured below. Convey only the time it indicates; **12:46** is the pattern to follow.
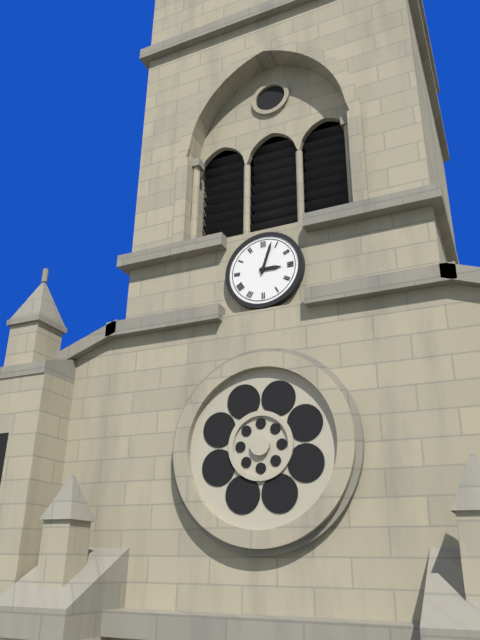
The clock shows **3:03**
